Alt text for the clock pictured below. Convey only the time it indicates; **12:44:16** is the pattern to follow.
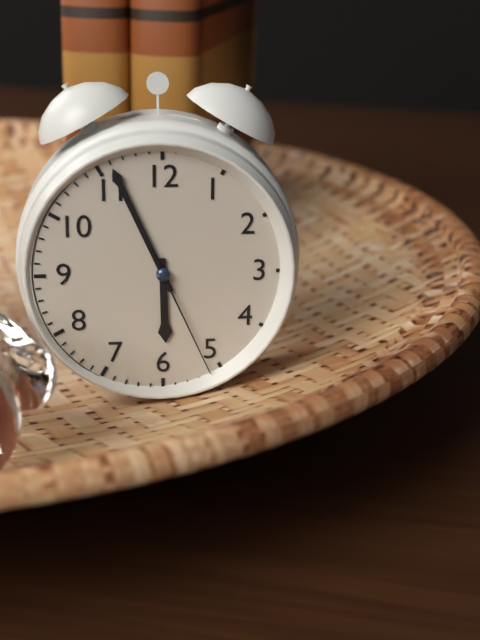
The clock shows **5:56:26**
